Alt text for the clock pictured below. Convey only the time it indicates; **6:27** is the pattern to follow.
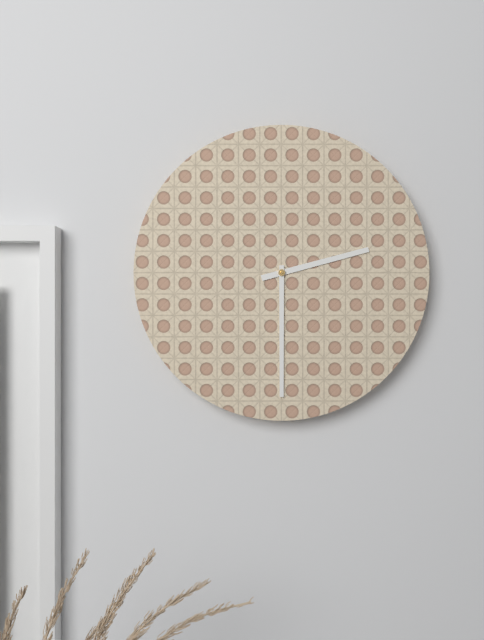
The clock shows **2:30**
